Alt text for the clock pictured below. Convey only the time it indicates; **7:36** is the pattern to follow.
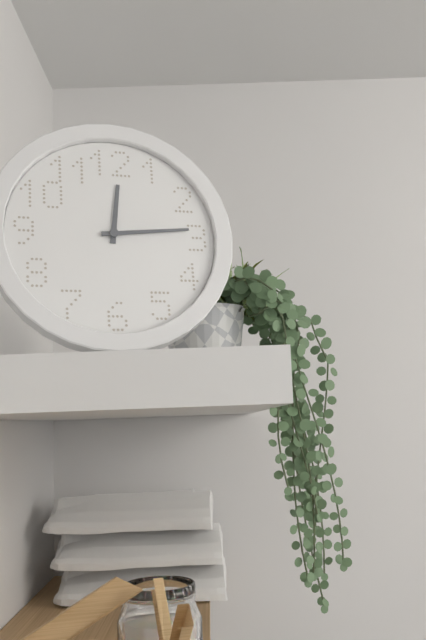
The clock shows **12:14**
